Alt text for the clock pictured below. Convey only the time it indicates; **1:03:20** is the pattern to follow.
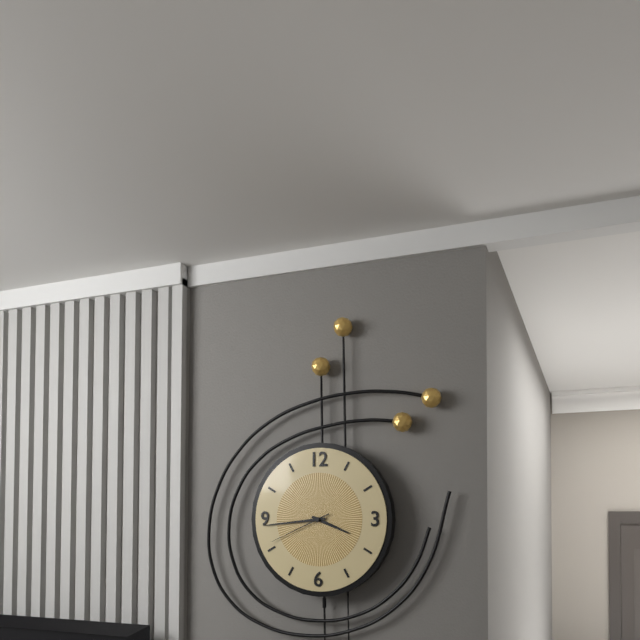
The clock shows **3:44:41**
